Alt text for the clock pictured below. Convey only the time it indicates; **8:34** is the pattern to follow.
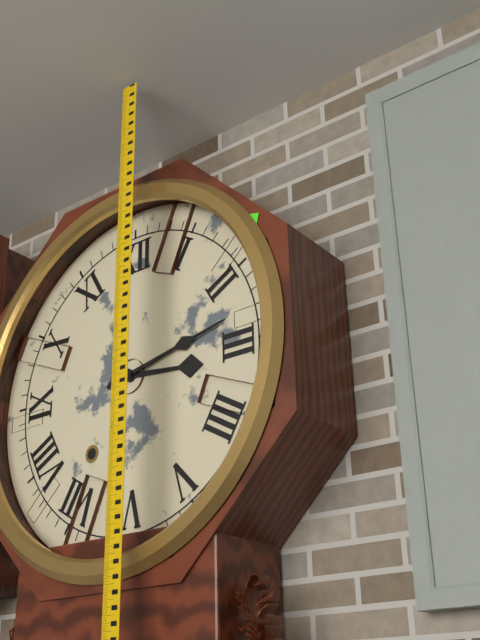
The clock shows **3:13**
